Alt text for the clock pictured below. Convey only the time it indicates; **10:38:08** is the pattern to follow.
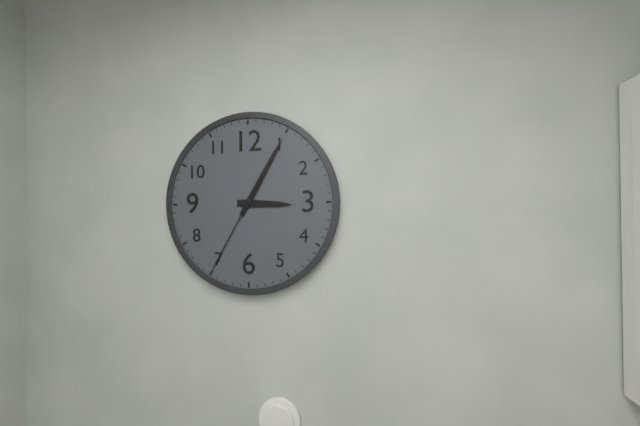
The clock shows **3:05:35**
